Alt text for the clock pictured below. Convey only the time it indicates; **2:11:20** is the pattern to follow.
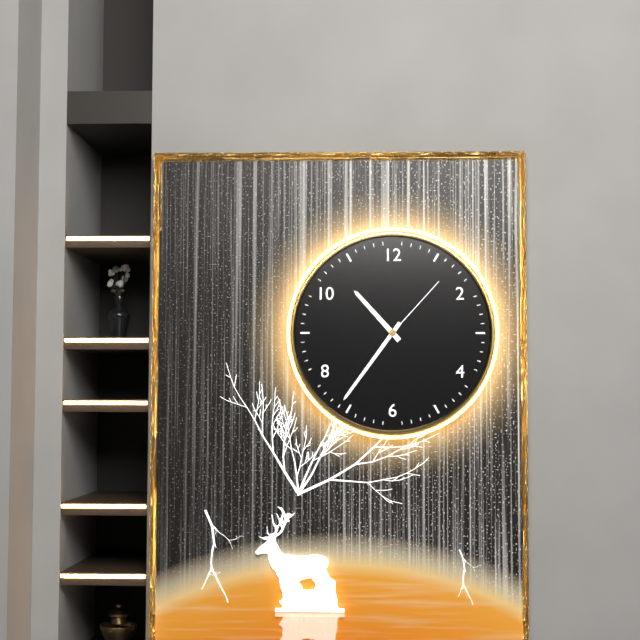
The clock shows **10:36:07**
